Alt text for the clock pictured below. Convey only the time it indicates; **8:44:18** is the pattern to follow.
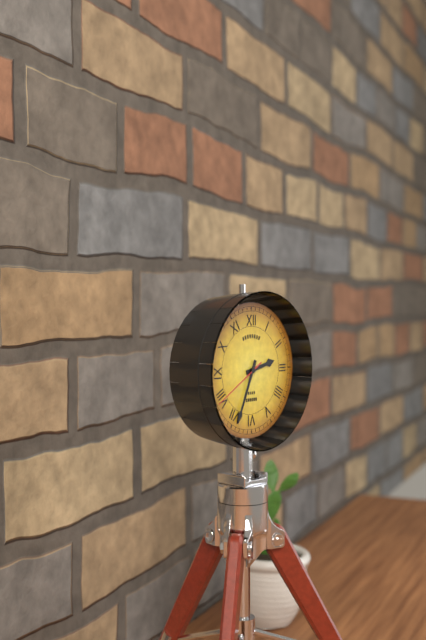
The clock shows **2:34:40**
